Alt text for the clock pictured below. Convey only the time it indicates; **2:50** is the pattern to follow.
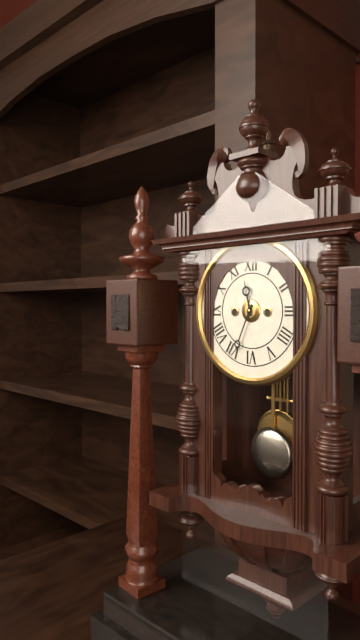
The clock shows **11:34**
